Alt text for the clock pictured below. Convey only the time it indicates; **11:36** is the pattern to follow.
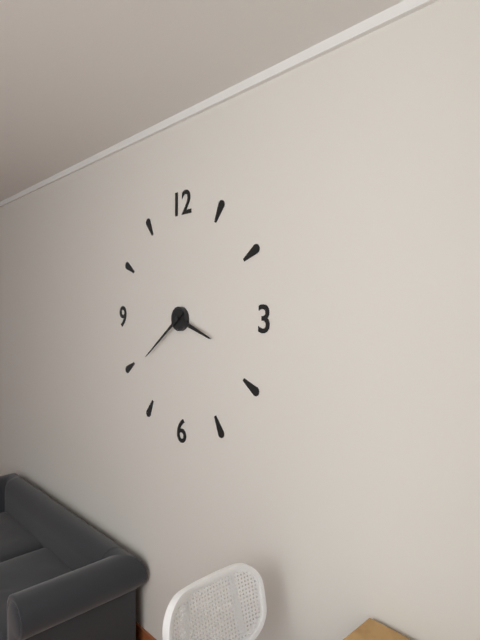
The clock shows **3:39**
